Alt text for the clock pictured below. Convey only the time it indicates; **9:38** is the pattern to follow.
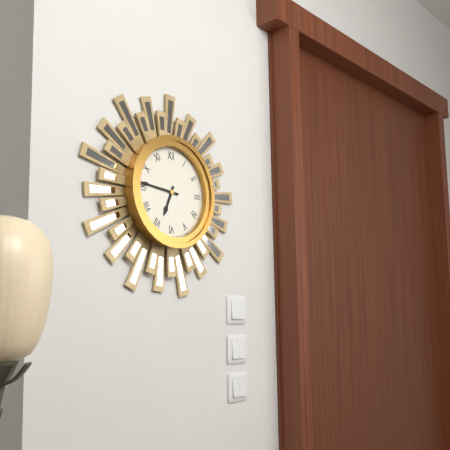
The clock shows **6:46**
